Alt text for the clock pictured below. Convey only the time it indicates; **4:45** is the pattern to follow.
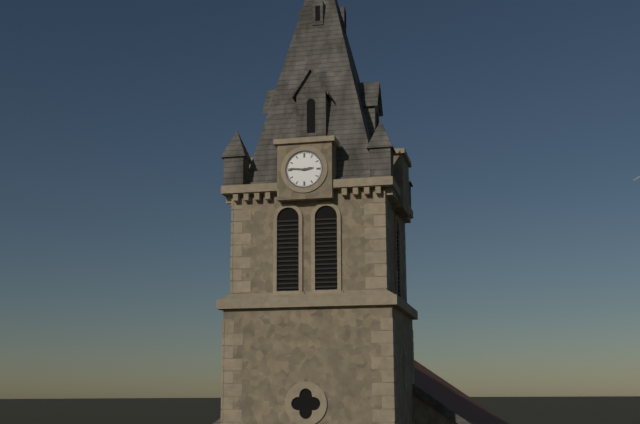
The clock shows **2:46**
